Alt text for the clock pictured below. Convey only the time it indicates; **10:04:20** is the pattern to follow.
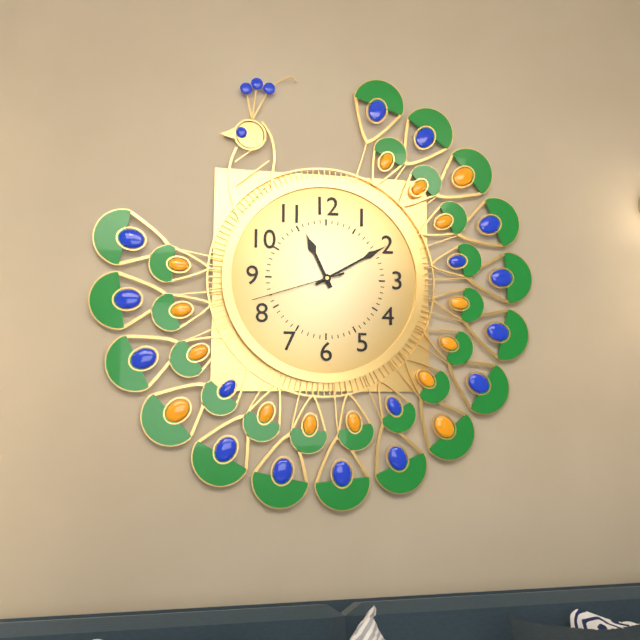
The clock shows **11:10:42**
